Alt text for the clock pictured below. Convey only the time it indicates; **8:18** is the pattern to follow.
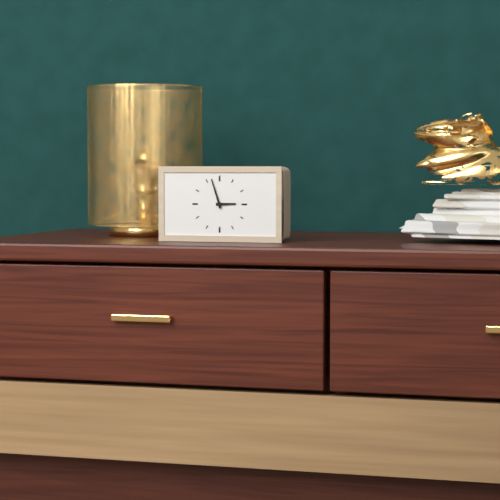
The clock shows **2:57**
